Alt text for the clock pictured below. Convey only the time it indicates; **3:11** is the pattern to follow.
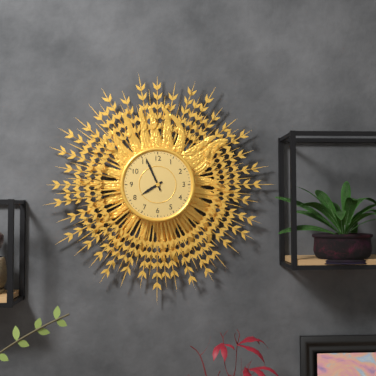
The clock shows **7:56**
